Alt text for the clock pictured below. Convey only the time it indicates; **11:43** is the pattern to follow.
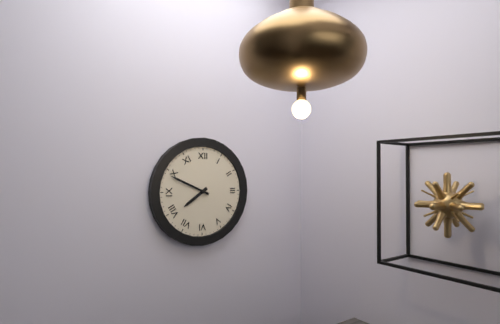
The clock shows **7:49**
